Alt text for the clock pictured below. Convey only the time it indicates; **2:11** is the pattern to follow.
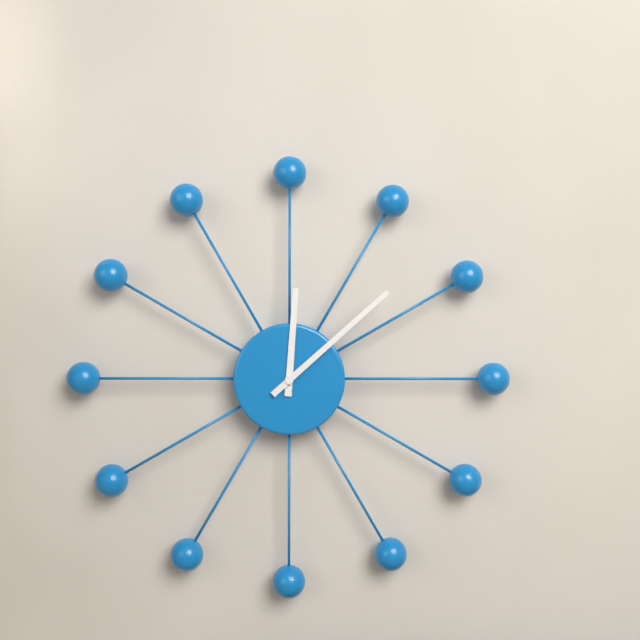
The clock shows **12:08**
